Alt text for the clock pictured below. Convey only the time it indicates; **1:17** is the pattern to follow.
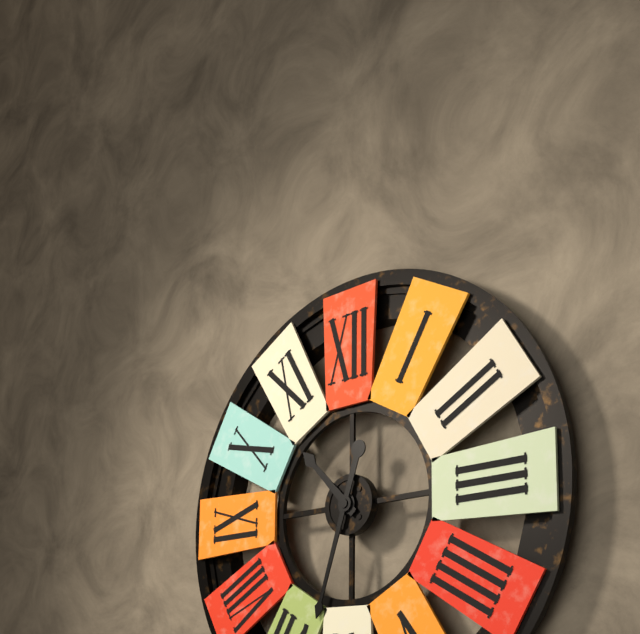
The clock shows **10:33**
